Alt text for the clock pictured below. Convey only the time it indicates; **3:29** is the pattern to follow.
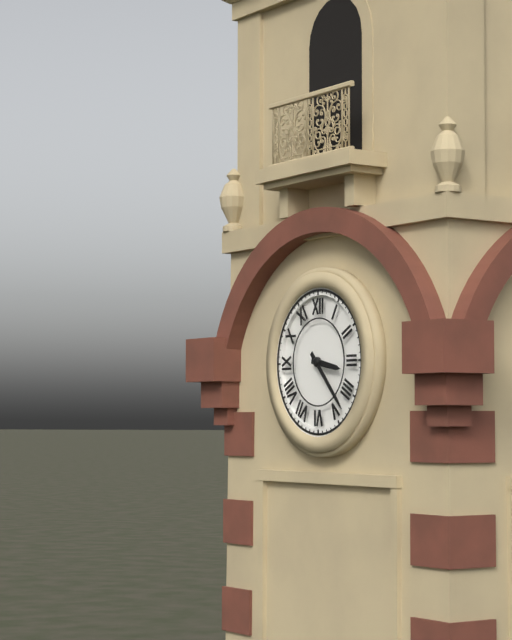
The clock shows **3:23**
